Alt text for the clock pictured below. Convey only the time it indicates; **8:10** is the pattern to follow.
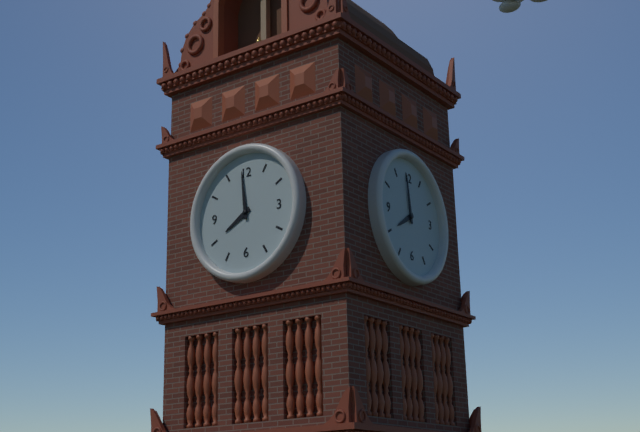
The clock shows **7:59**
